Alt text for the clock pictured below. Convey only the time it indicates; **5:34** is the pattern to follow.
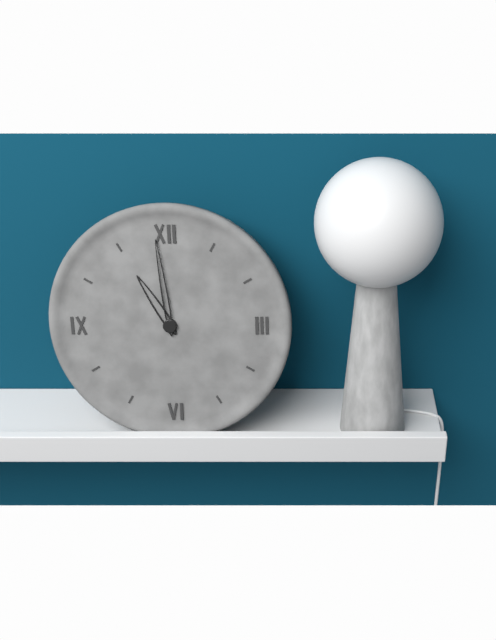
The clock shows **10:59**
